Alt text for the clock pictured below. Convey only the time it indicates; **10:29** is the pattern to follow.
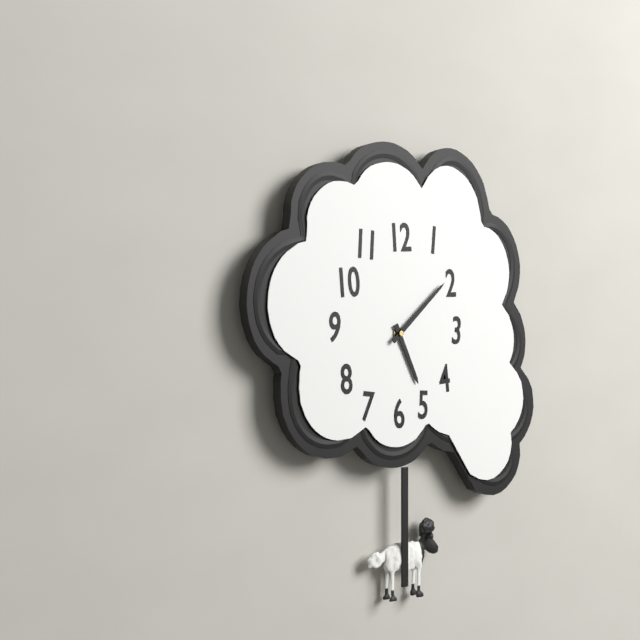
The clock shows **5:08**
